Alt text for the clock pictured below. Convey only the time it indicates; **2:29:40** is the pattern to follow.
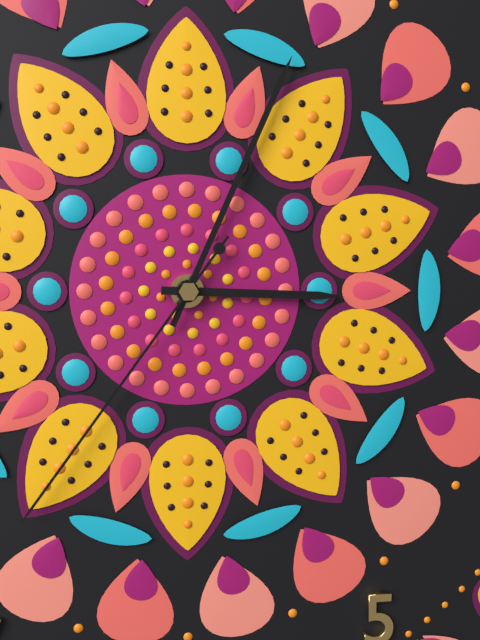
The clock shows **3:04:36**
